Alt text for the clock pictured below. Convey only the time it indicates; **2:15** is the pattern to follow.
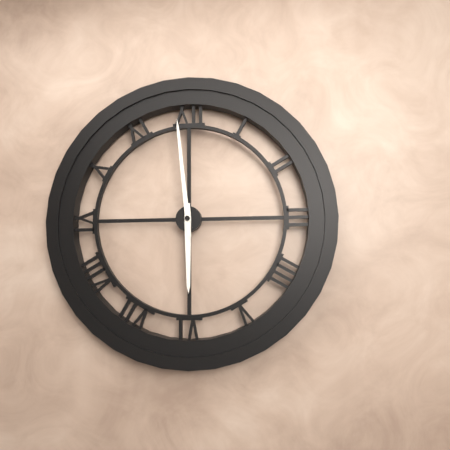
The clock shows **5:59**
